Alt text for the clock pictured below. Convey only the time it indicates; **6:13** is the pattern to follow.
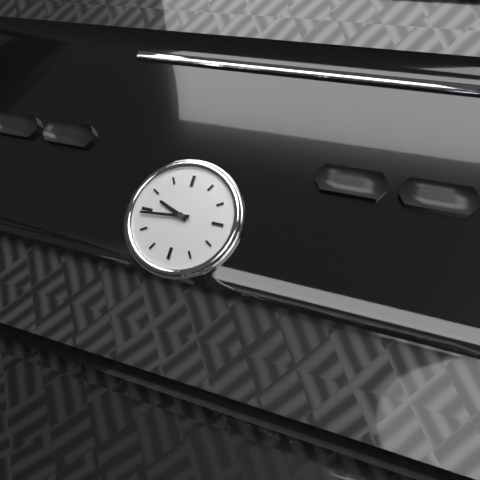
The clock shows **9:44**
